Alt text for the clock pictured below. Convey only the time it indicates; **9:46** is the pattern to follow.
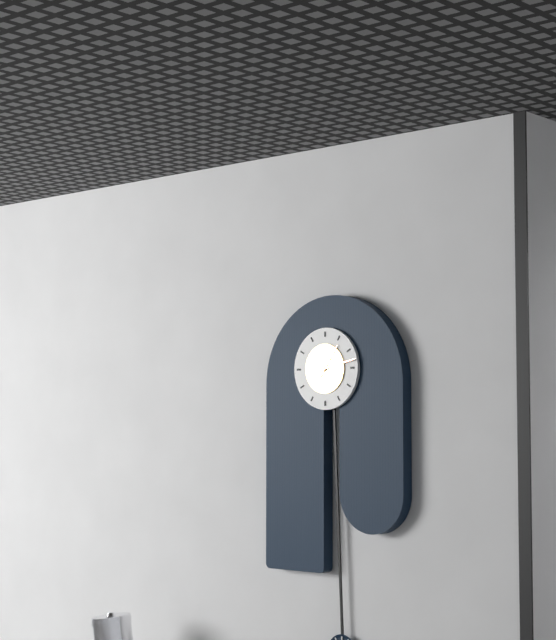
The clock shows **1:13**
